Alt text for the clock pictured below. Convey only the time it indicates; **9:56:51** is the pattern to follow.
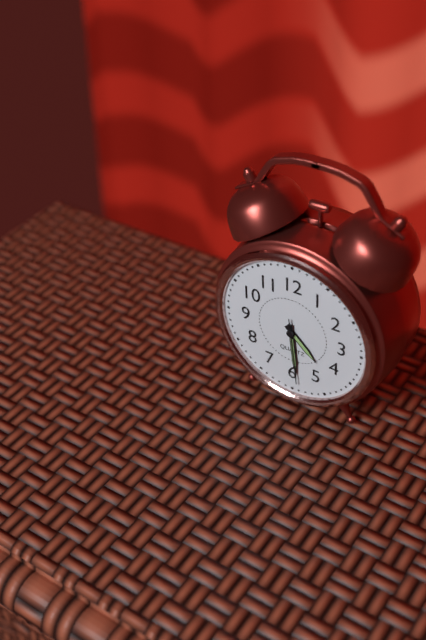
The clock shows **4:29:29**
